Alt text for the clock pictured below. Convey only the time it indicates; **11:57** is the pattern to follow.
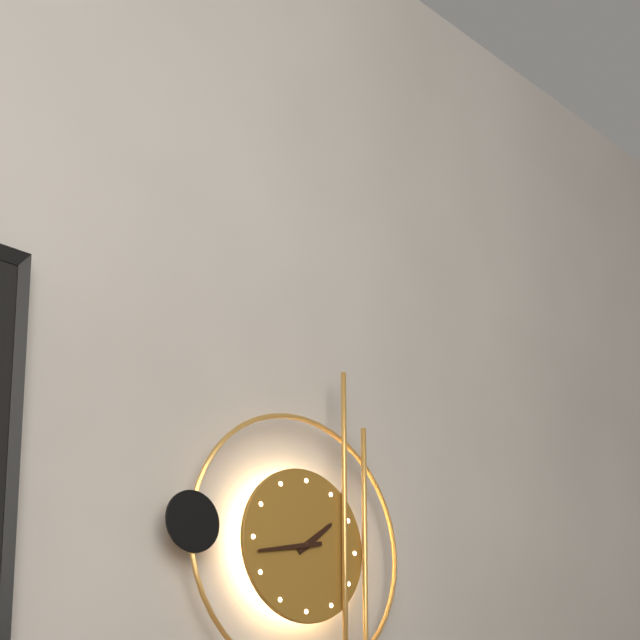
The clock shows **1:43**
